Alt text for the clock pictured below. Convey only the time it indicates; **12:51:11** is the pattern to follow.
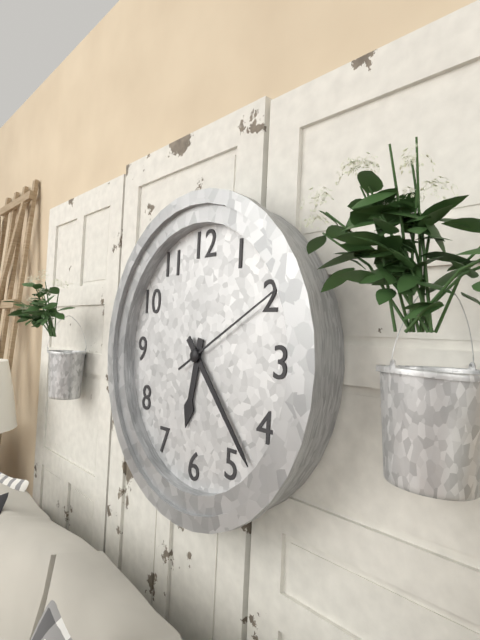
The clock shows **6:23:10**
